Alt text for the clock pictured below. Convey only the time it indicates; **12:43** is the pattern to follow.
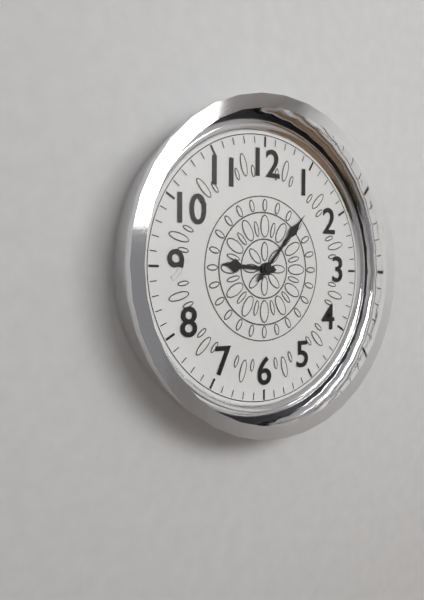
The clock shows **9:07**
